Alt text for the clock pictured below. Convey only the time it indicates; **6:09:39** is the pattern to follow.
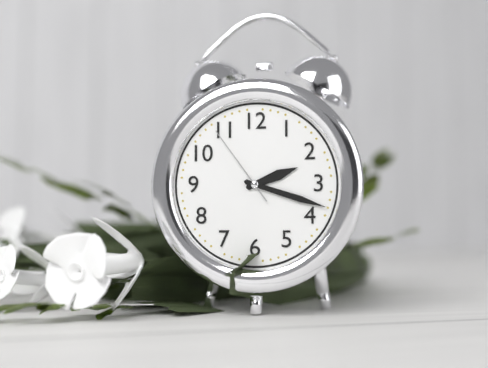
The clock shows **2:18:54**
